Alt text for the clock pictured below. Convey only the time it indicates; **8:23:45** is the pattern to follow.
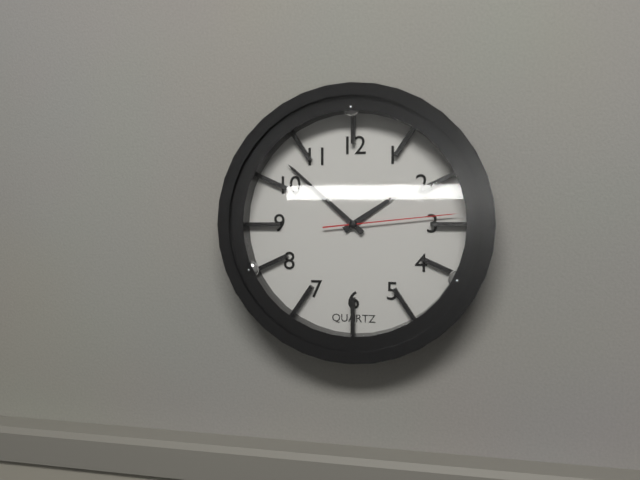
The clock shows **1:52:14**
